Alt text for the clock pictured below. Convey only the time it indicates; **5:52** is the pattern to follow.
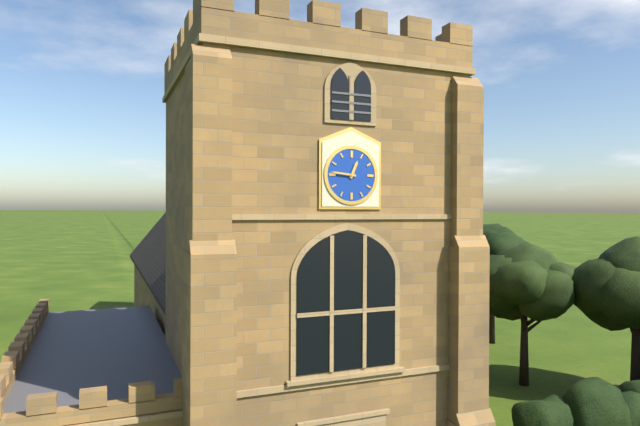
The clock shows **12:46**
